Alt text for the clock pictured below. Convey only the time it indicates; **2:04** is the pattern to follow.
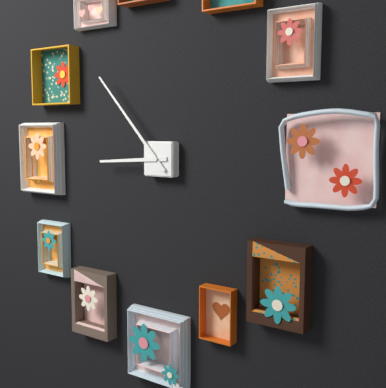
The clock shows **8:53**
